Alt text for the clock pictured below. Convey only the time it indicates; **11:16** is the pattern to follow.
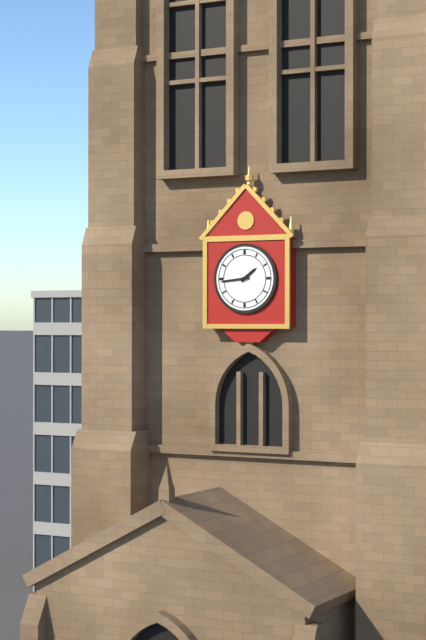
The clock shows **1:44**
